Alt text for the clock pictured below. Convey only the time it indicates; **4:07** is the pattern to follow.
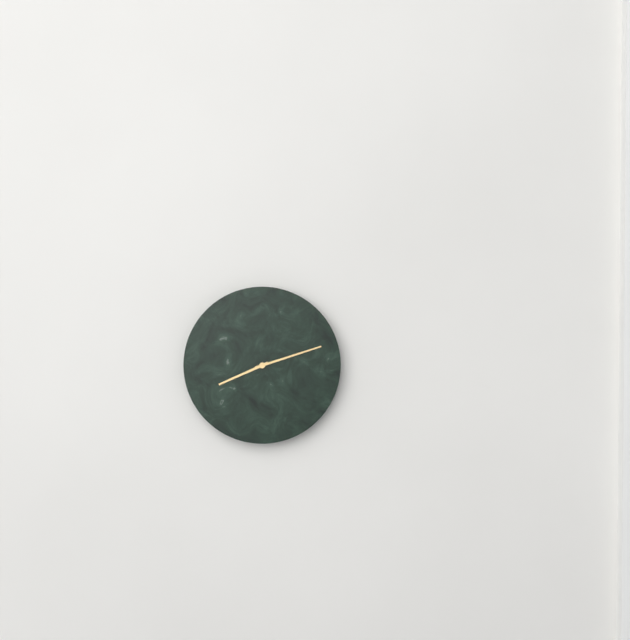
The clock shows **8:12**
